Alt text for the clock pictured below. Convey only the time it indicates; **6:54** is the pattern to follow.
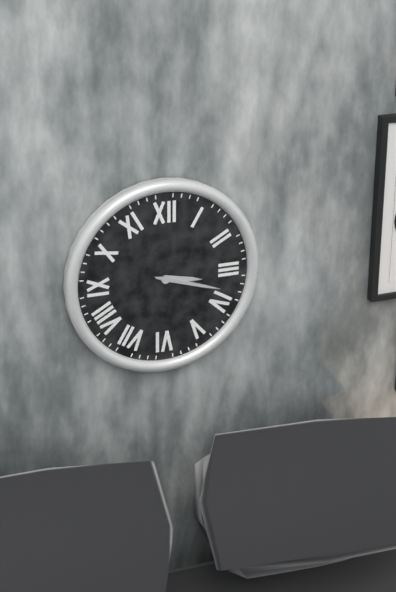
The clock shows **3:18**
